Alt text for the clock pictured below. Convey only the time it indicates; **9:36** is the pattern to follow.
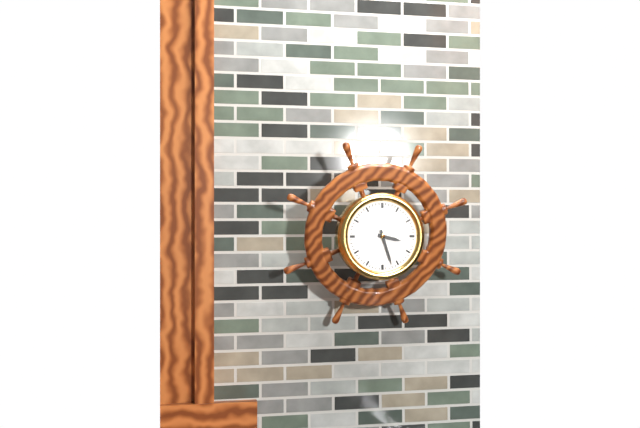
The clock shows **3:27**
